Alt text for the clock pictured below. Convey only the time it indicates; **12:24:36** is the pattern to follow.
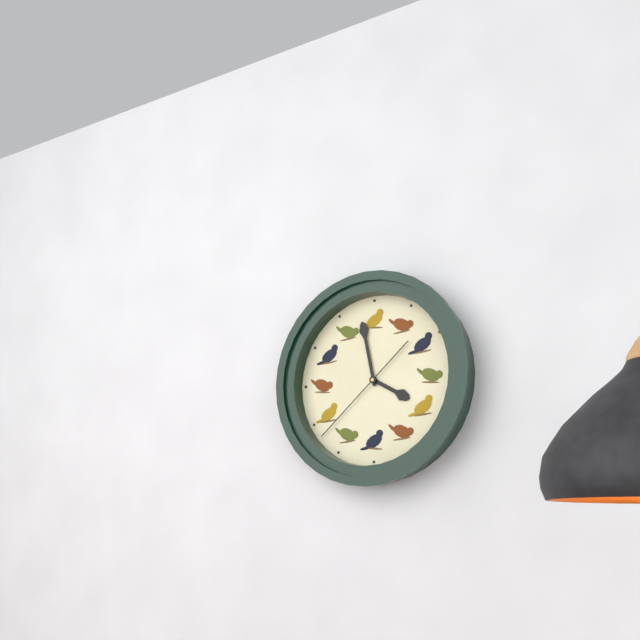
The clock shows **3:58:38**
